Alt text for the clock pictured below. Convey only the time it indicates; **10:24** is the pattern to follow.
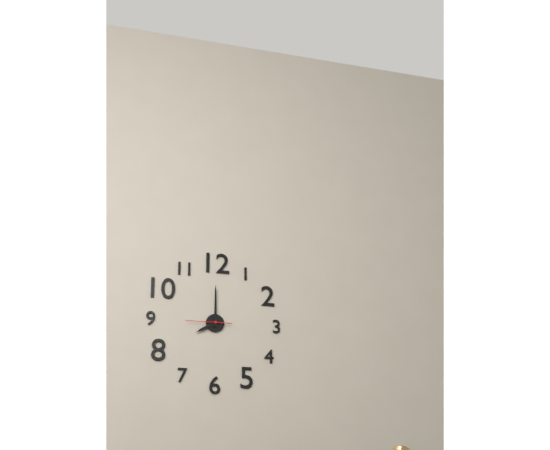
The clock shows **8:00**
